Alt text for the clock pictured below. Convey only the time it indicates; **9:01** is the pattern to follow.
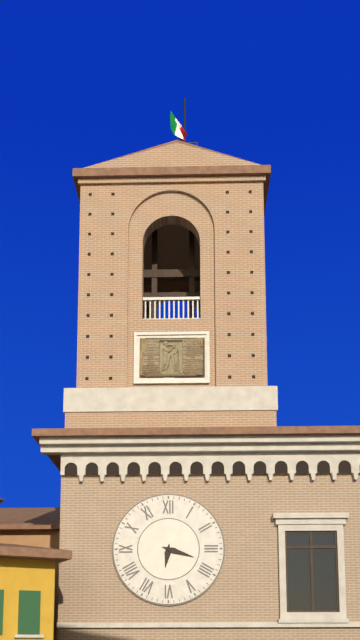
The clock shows **6:18**
